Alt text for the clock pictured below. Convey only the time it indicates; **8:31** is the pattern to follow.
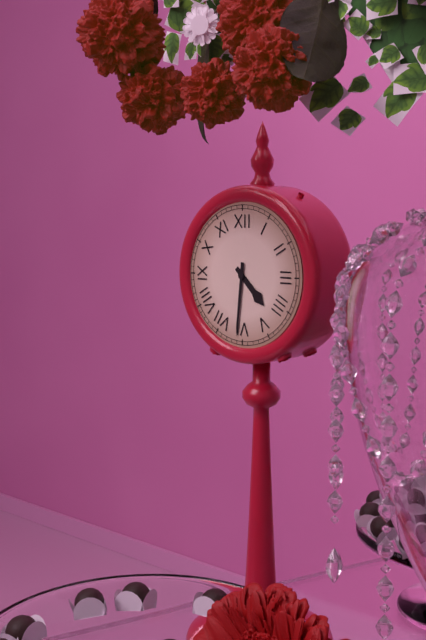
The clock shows **4:31**
